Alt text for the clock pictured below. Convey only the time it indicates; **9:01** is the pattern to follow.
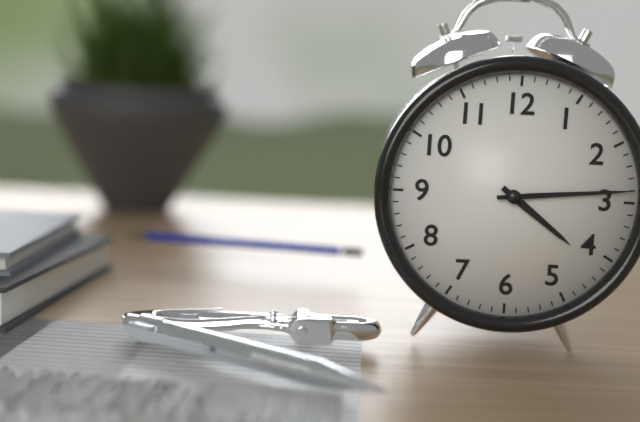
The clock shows **4:14**
